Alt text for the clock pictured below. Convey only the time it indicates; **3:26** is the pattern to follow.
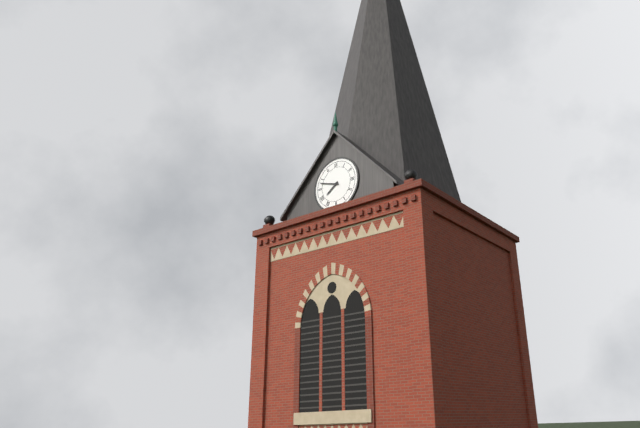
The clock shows **7:48**
